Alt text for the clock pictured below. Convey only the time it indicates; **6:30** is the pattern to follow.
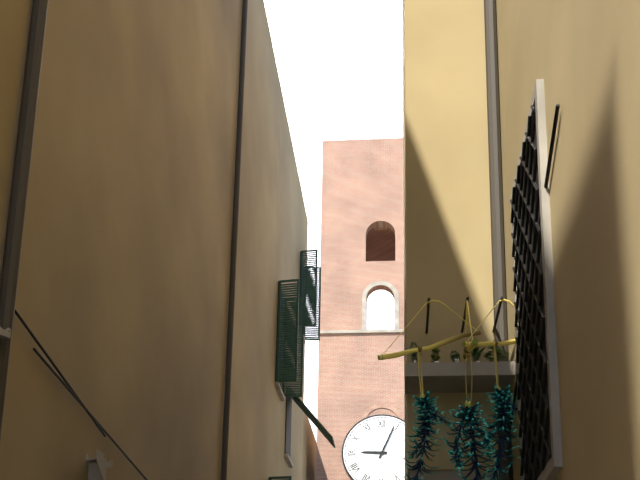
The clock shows **9:04**
